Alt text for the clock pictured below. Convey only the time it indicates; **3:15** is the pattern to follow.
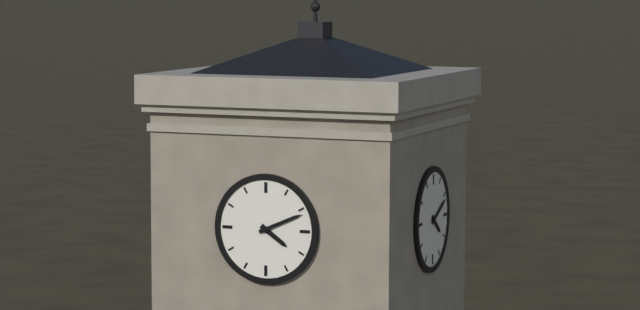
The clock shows **4:11**
